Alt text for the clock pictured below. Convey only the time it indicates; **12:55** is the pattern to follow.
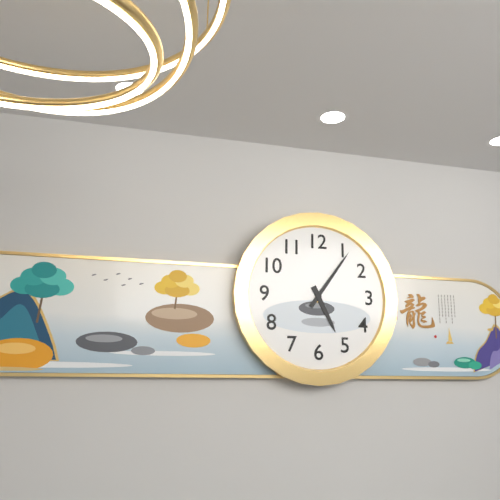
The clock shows **5:06**
